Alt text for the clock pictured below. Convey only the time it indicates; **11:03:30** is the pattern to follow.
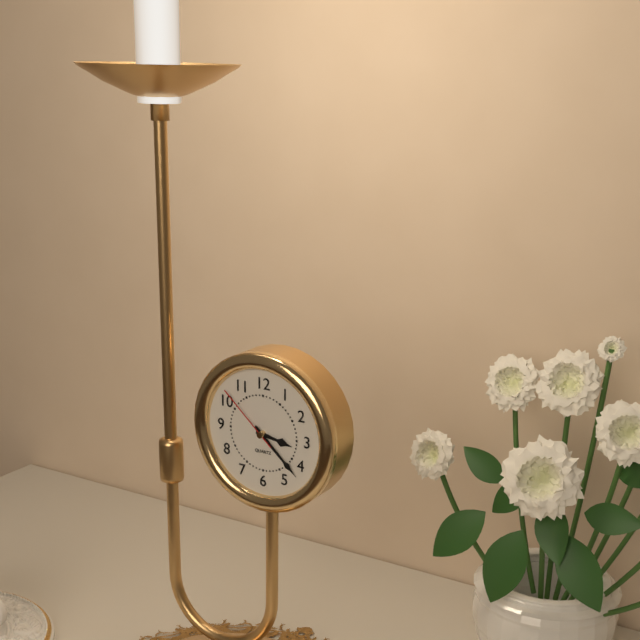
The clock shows **3:22:52**
